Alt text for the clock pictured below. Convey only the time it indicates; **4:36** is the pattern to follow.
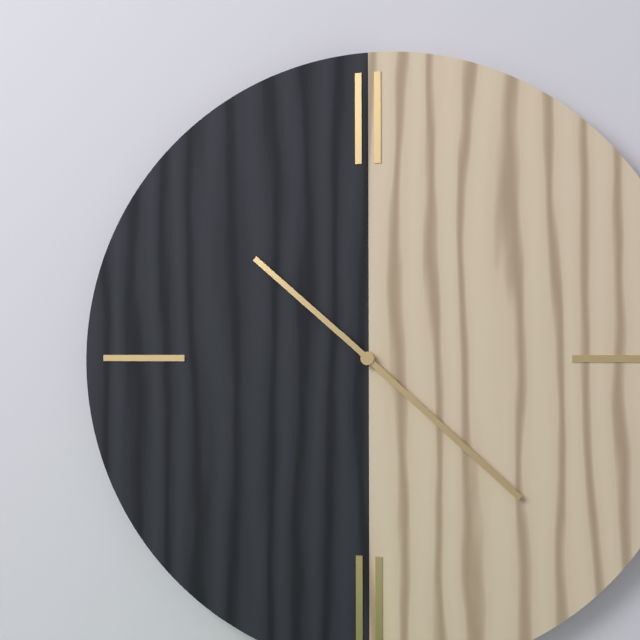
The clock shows **10:22**
